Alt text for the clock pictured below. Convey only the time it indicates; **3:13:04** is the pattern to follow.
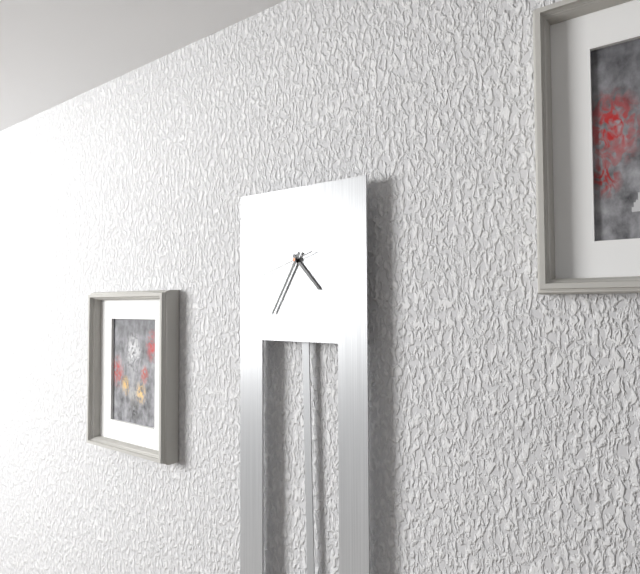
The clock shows **4:35:42**
